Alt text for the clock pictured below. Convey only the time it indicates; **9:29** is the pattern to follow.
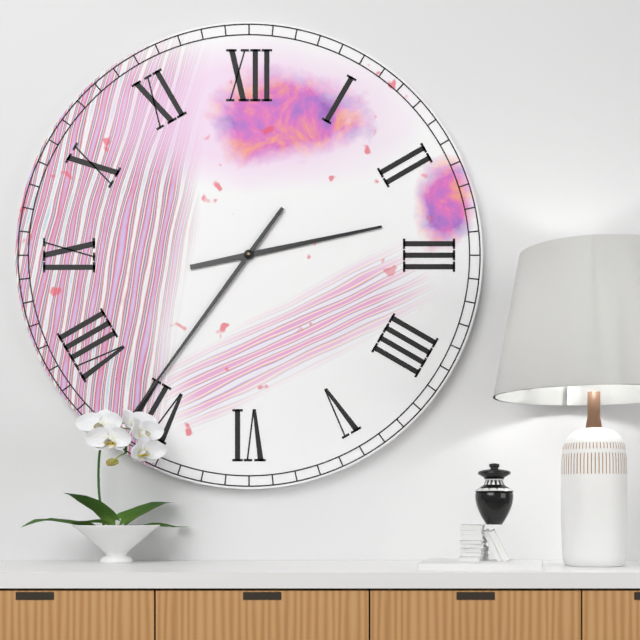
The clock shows **2:36**
